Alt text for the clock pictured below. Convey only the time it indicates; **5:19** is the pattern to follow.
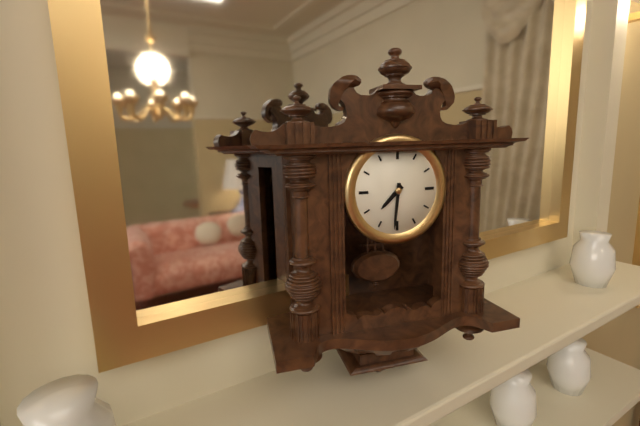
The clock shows **7:31**
